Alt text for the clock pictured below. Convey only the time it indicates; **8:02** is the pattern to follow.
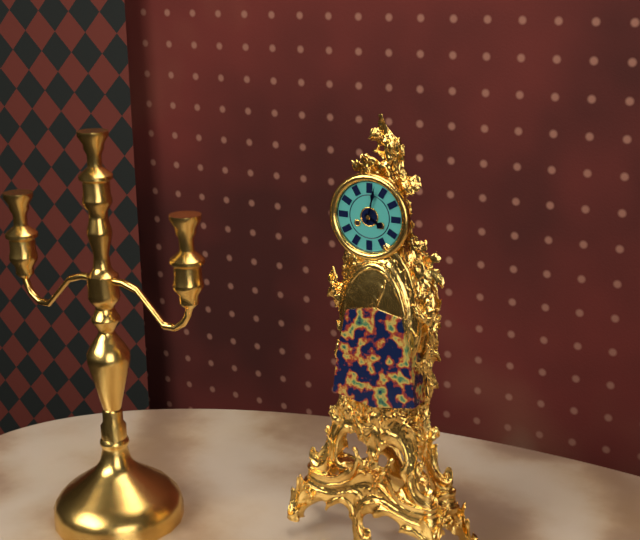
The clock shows **4:02**
